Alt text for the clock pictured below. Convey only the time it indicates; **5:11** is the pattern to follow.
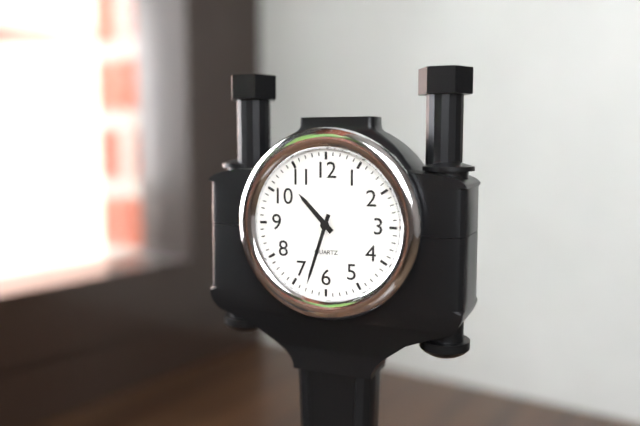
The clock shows **10:33**
